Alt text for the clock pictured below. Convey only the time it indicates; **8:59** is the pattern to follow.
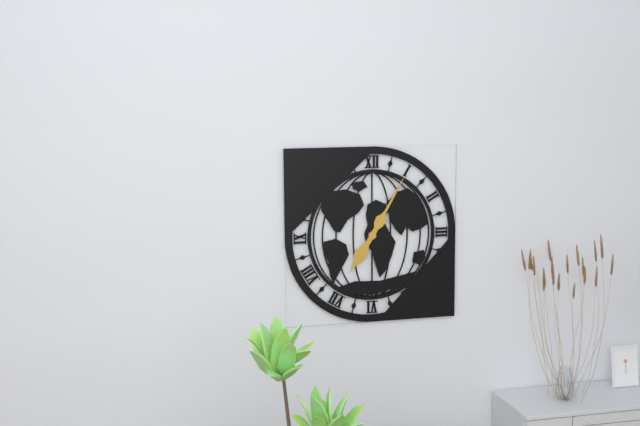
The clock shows **7:05**
